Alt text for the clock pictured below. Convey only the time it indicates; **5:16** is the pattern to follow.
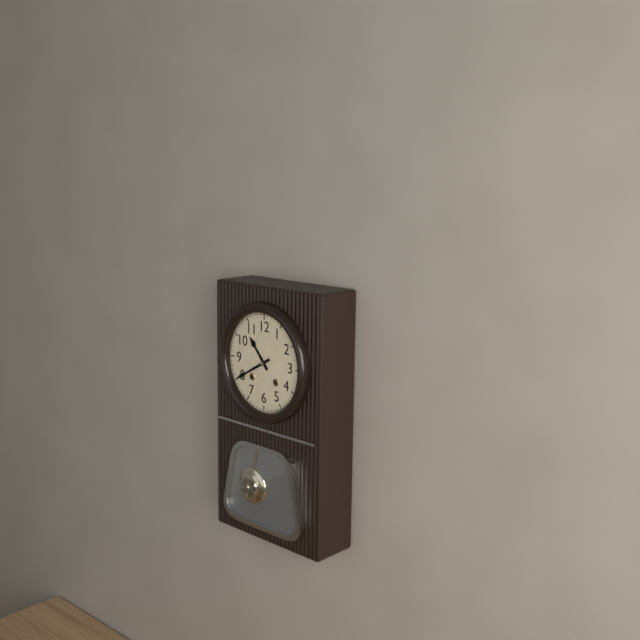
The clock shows **10:40**
